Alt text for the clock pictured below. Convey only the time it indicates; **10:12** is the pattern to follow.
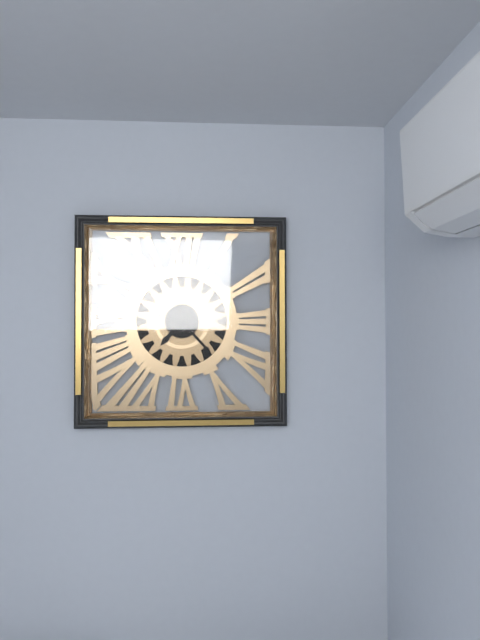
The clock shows **7:23**
